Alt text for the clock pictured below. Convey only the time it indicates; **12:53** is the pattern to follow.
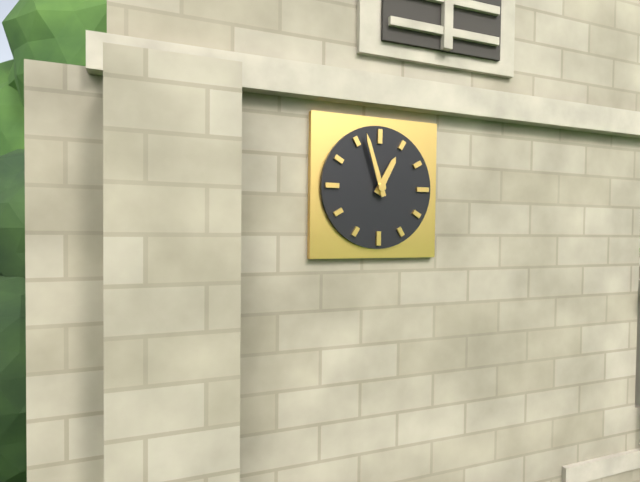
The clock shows **12:57**
